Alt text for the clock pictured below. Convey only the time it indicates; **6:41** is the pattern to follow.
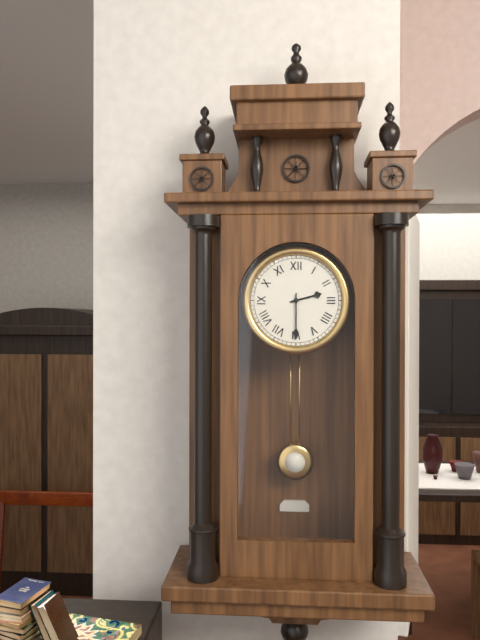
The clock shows **2:30**
